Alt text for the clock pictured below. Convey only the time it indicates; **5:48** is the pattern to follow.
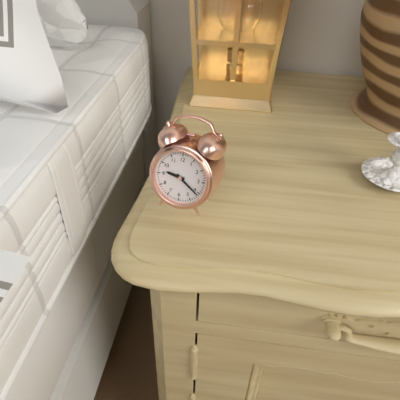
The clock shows **9:21**
